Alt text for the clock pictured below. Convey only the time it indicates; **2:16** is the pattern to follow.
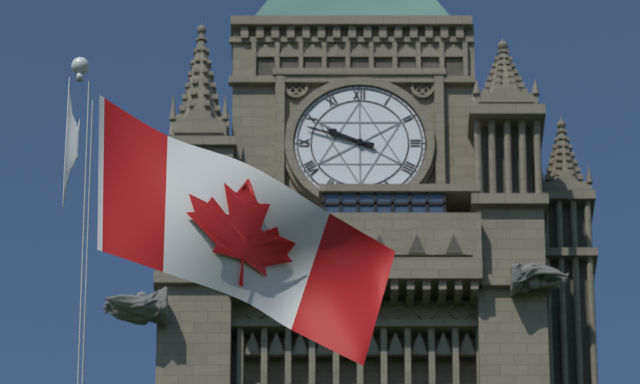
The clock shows **9:48**
